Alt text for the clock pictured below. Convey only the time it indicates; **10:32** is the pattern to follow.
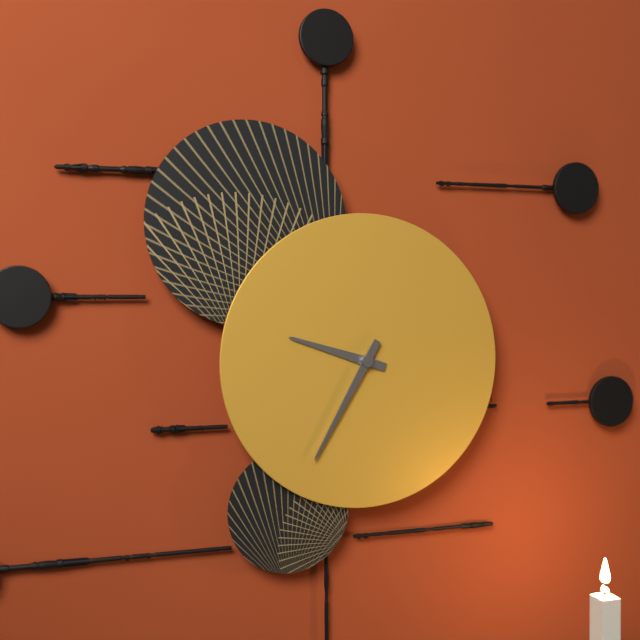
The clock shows **9:35**
